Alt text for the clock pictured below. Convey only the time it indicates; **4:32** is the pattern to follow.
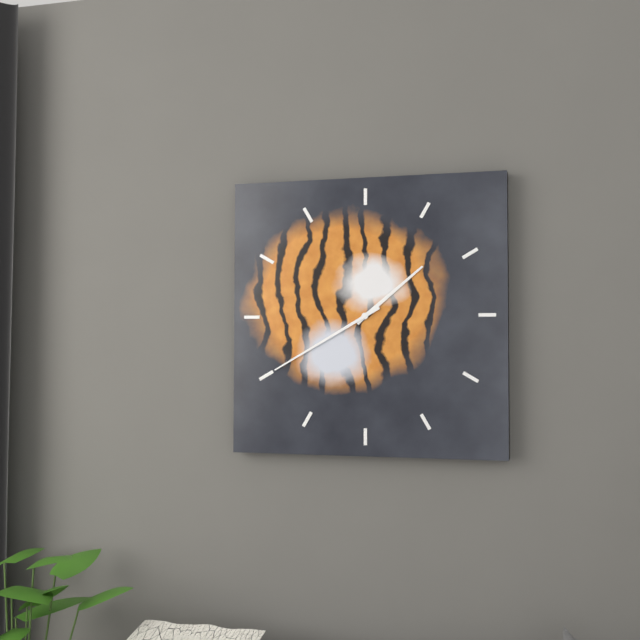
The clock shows **1:40**
